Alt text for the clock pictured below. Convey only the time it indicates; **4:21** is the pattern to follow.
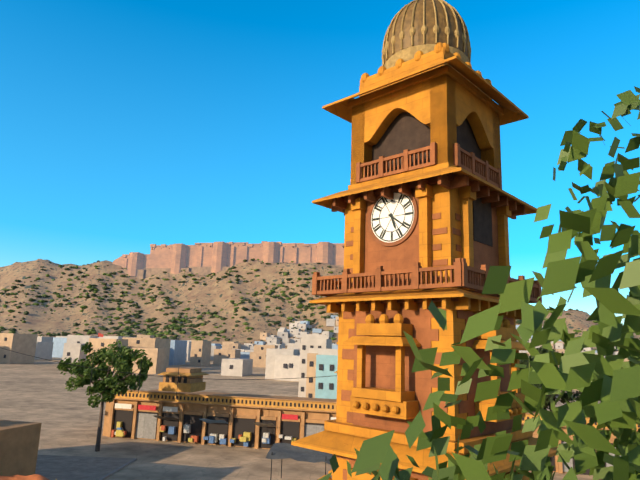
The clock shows **5:21**
